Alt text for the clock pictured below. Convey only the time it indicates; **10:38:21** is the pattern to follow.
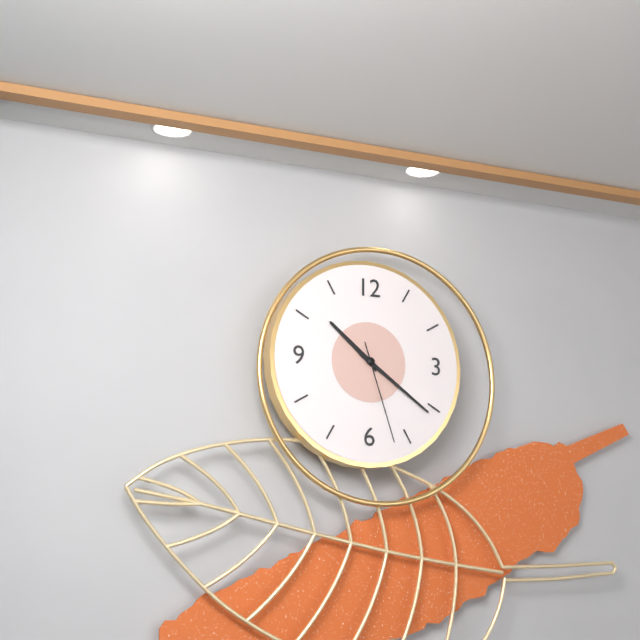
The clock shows **10:21:27**
